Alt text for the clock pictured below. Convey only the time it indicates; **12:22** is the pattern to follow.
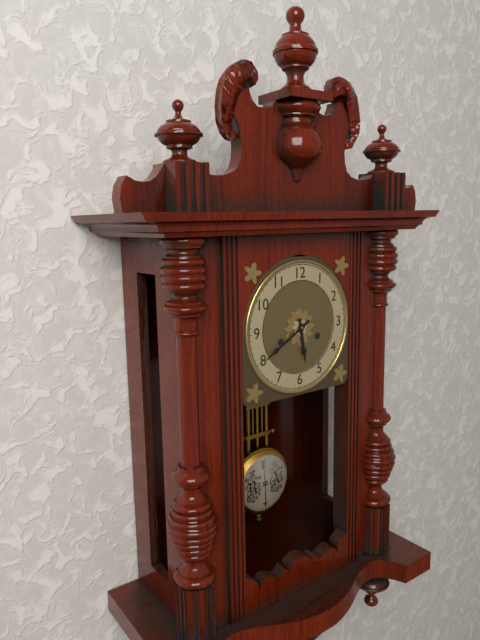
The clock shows **5:40**
